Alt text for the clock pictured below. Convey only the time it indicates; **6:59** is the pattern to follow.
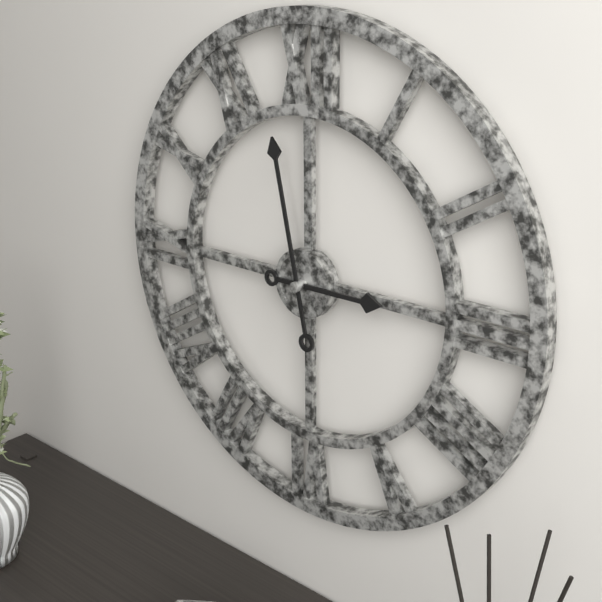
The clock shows **2:58**
